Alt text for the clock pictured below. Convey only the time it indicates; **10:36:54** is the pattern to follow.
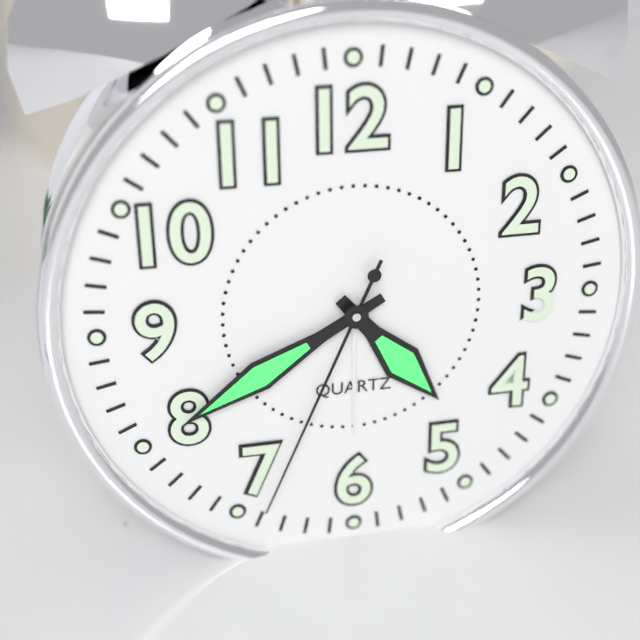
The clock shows **4:40:34**
